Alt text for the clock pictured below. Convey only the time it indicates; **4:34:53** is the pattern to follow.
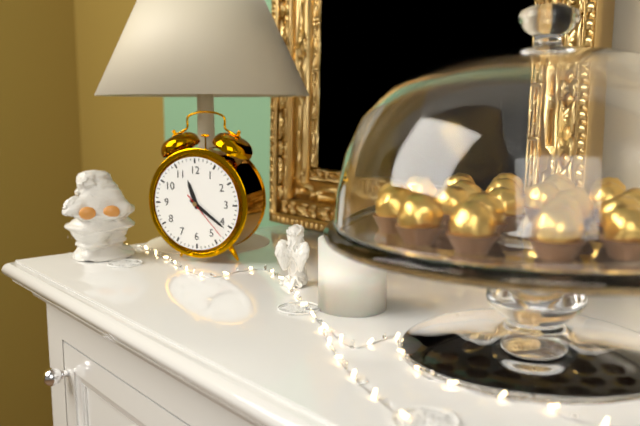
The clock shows **11:21:23**
